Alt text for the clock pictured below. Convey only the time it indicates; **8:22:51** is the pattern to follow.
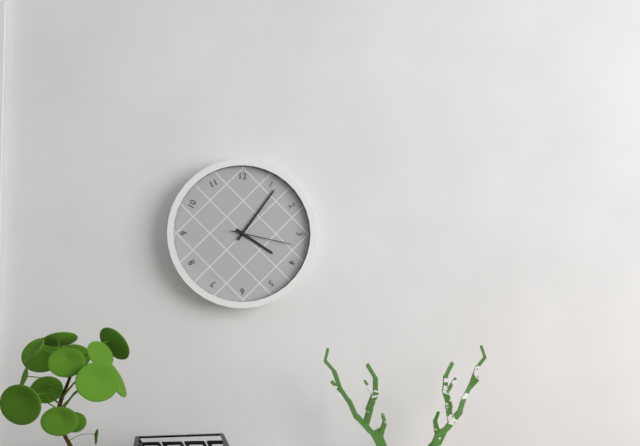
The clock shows **4:06:17**
